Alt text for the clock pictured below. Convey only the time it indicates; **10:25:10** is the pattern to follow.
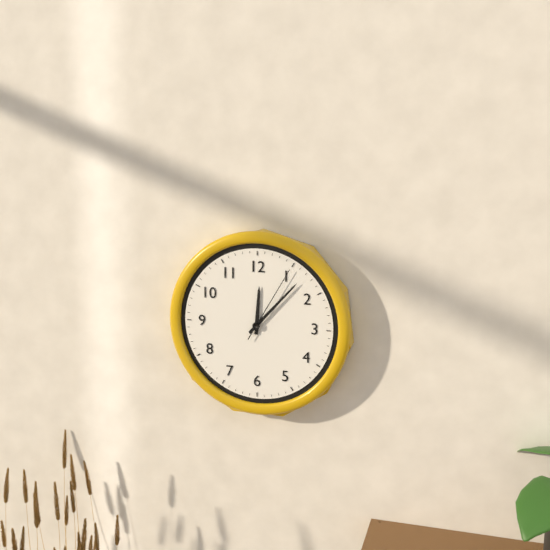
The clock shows **12:07:05**
